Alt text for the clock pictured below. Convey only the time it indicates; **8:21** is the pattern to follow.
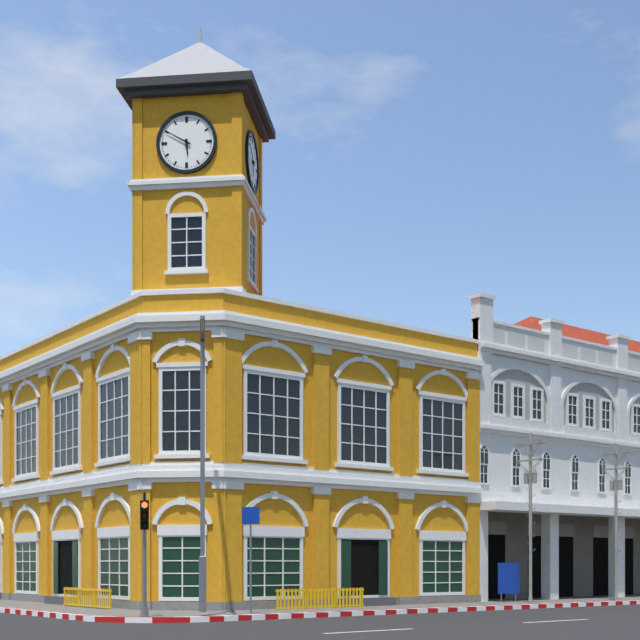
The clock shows **5:50**
